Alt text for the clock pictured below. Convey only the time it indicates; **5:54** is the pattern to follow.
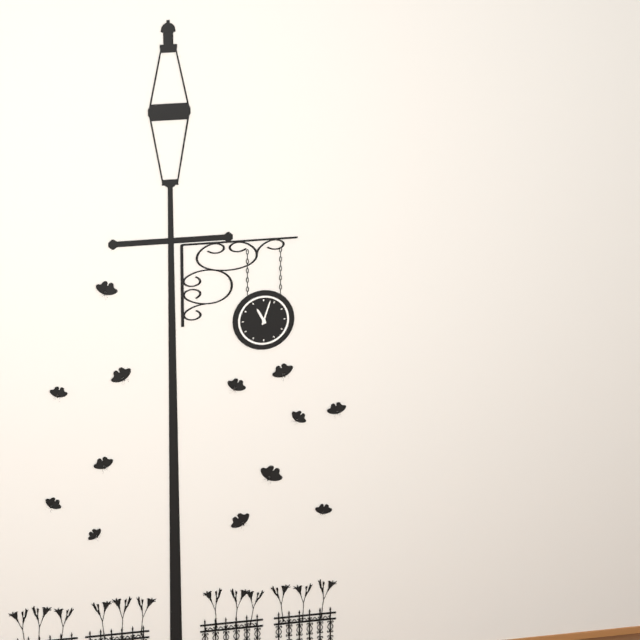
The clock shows **11:03**
